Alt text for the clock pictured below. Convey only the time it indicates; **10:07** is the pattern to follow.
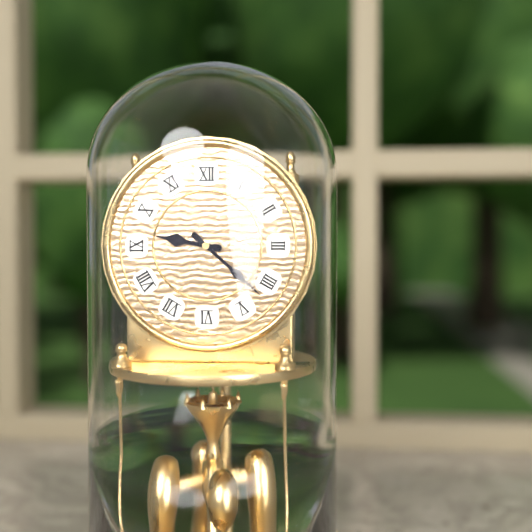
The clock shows **9:22**
